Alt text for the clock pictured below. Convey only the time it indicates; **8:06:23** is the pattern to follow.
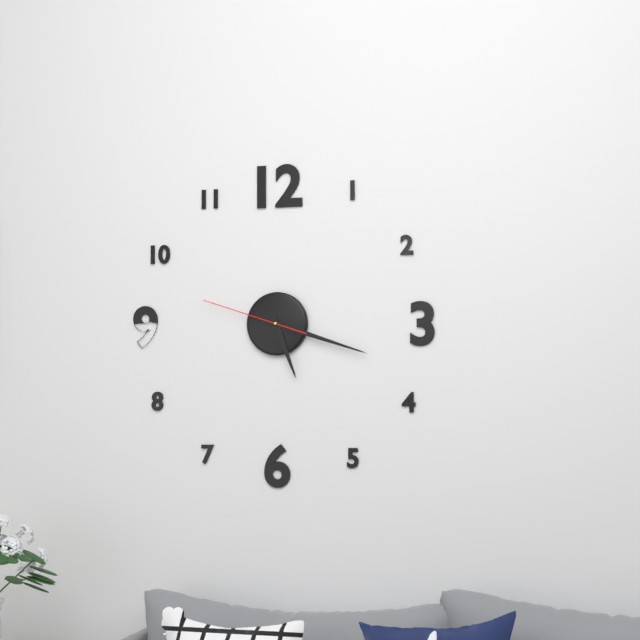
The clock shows **5:18:48**
